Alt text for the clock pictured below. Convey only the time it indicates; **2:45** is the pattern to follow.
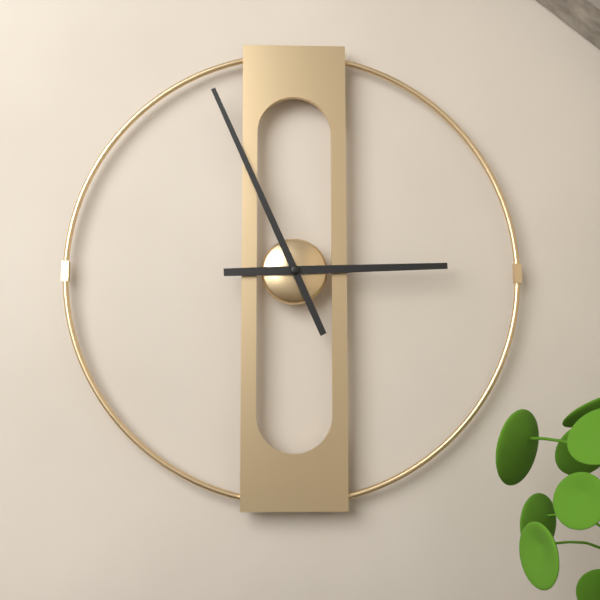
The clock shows **2:56**
